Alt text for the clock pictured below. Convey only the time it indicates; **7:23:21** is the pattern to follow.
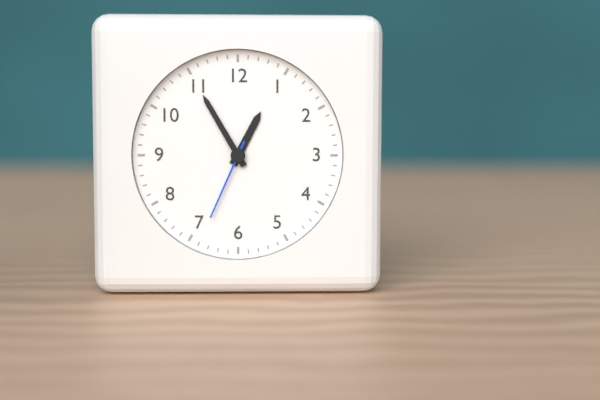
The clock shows **12:55:34**
